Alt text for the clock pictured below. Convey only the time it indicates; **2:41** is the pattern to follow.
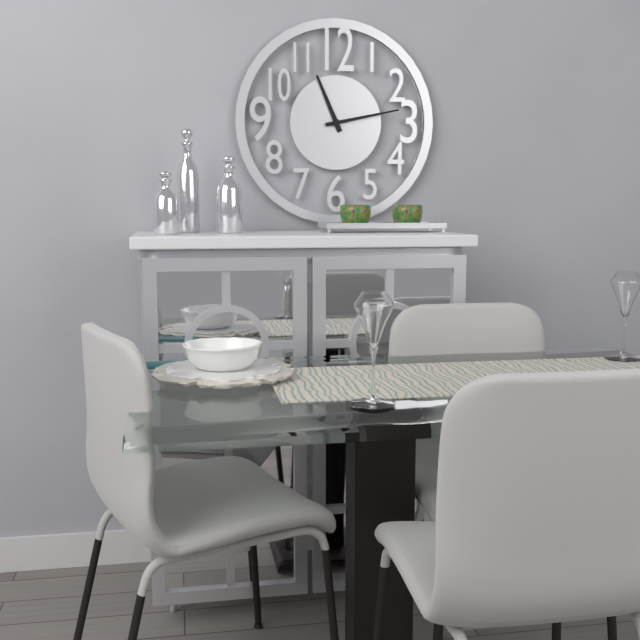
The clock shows **11:13**
